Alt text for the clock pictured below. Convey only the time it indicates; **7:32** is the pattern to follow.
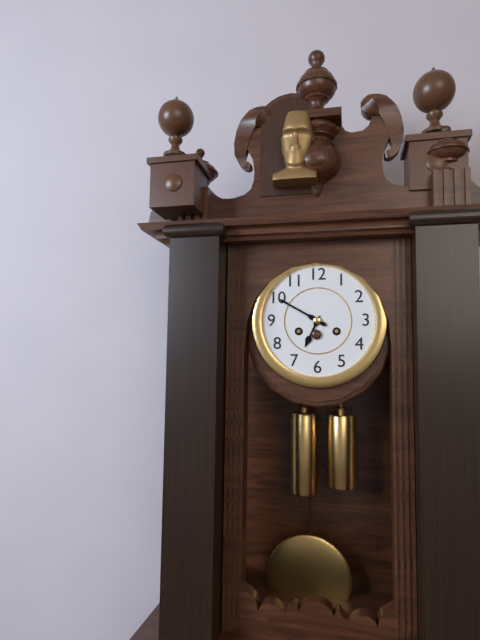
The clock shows **6:50**
